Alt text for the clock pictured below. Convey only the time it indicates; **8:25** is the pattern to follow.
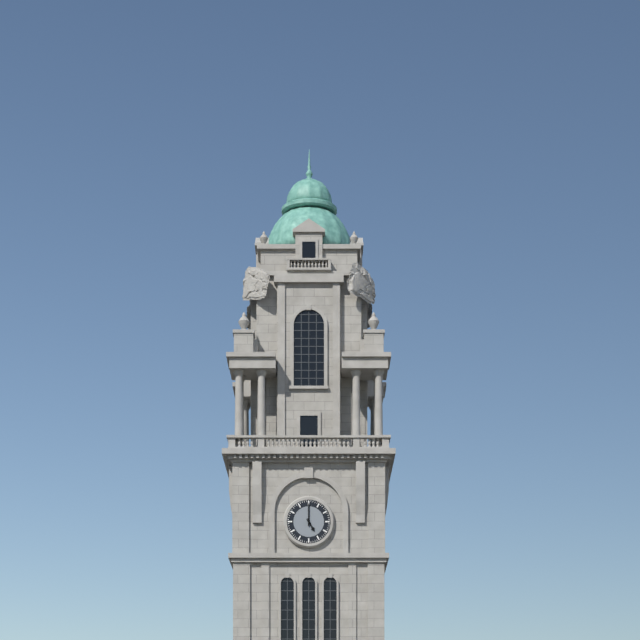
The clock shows **5:00**
